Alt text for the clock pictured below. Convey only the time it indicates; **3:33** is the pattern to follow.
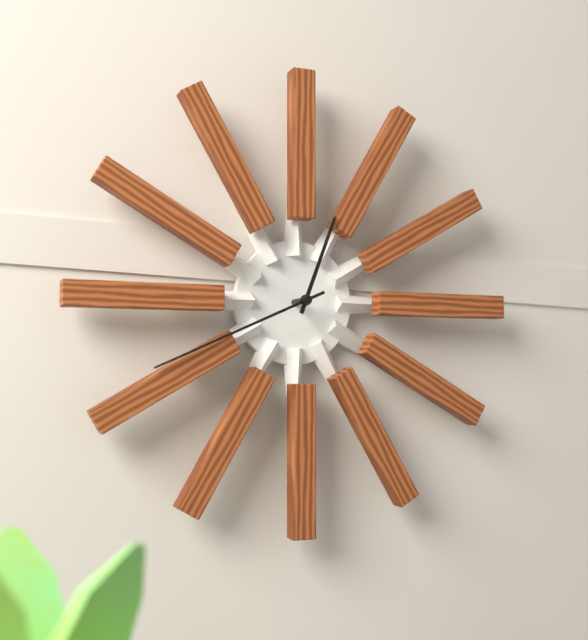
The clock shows **12:41**
